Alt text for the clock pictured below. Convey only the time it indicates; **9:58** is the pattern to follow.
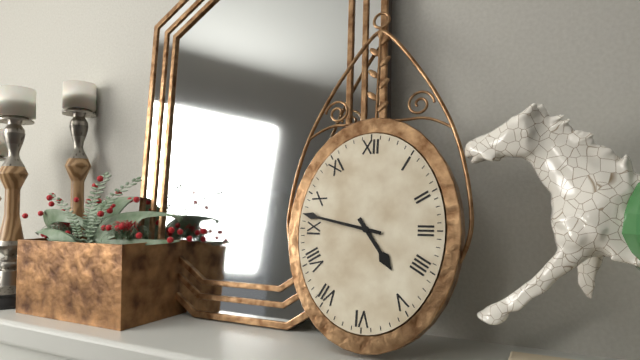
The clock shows **4:47**
